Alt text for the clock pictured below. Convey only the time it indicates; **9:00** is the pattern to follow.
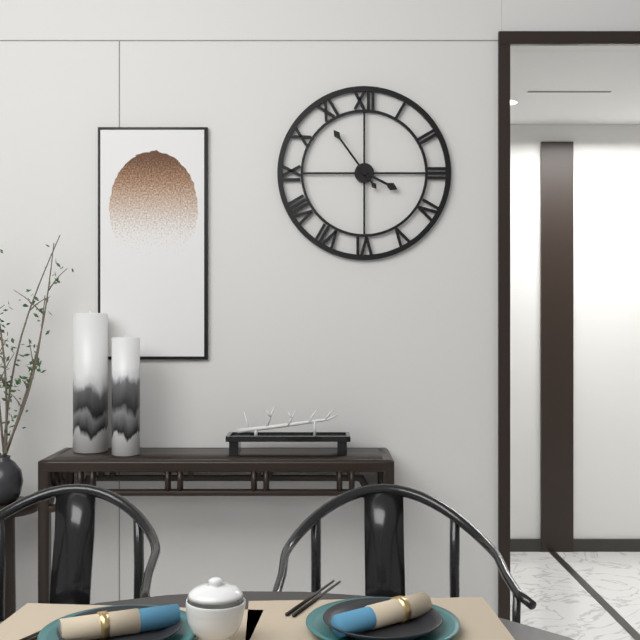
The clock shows **3:54**
